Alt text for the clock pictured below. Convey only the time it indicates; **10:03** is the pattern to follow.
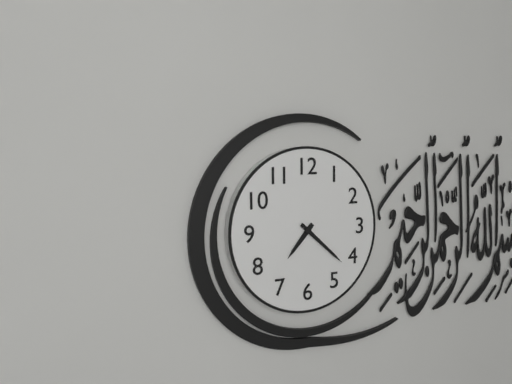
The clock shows **7:22**
